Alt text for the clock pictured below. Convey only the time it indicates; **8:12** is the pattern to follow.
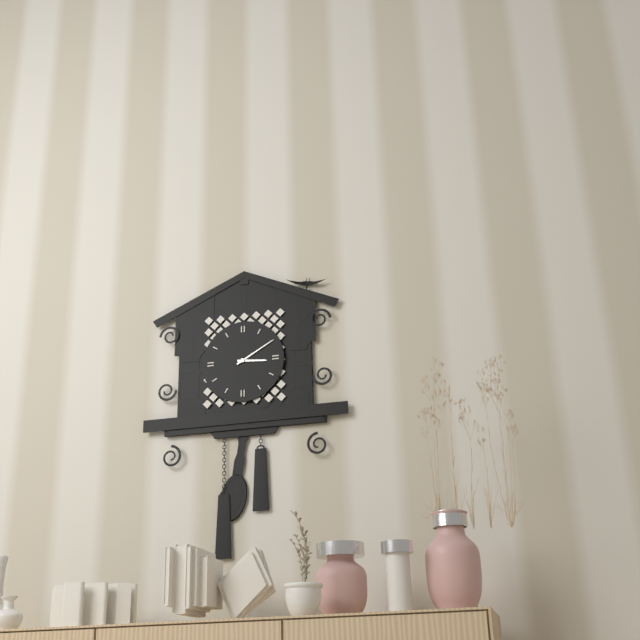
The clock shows **3:10**
